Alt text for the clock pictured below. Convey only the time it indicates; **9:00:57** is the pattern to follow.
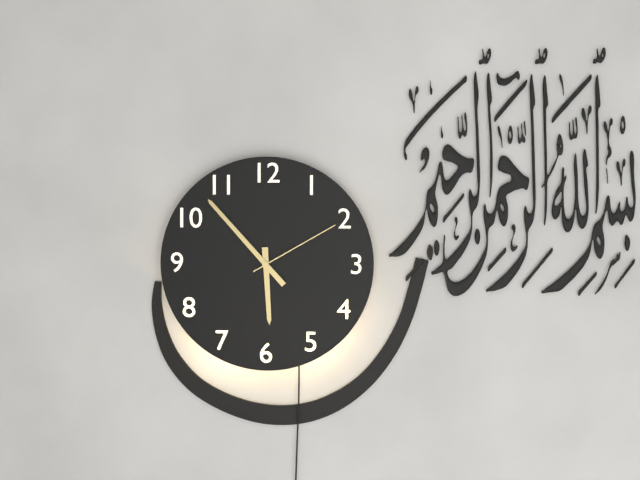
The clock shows **5:53:10**
